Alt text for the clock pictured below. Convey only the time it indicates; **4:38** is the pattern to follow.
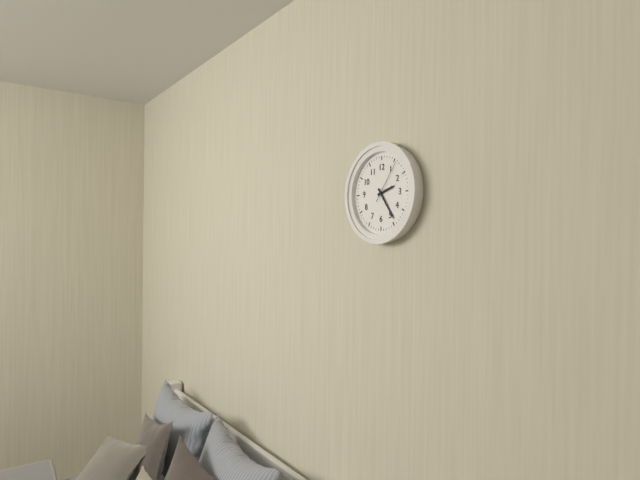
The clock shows **2:24**
